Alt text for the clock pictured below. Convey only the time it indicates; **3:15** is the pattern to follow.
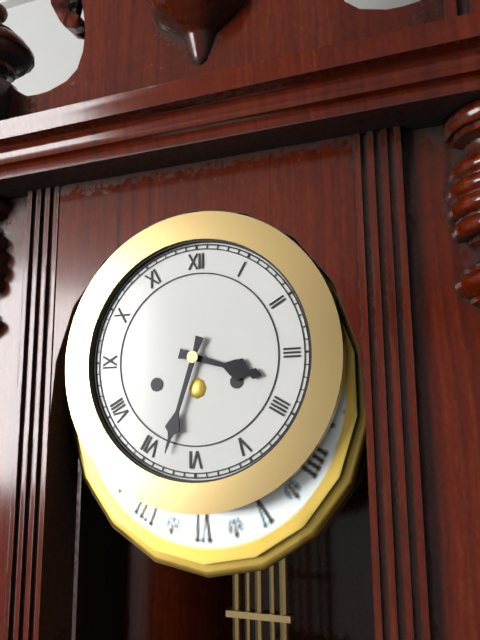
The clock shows **3:33**
